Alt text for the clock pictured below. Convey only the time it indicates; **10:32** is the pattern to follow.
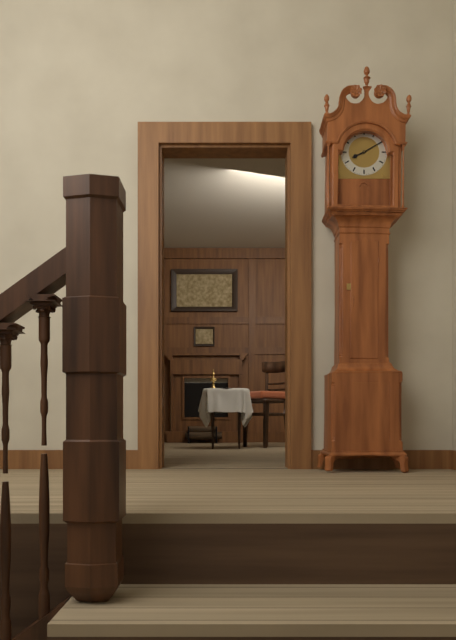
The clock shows **8:10**
